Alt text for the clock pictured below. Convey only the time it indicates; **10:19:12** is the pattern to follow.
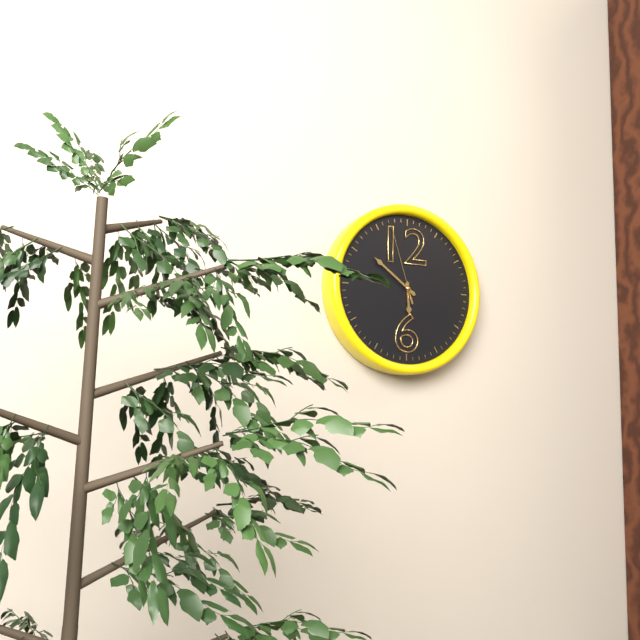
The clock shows **5:51:57**
